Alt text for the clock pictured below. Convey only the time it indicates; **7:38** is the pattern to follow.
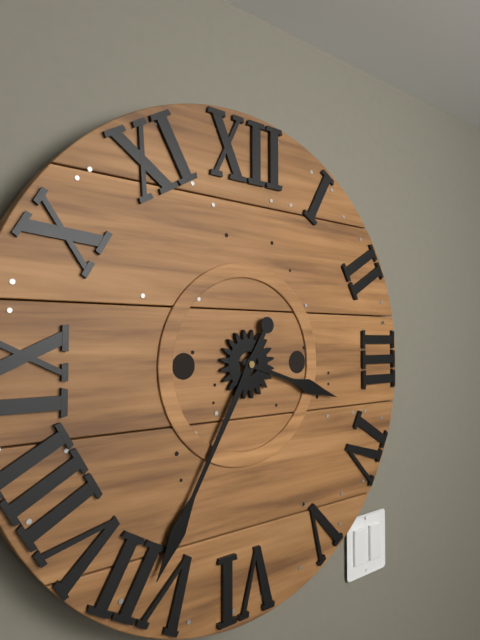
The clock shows **3:35**
